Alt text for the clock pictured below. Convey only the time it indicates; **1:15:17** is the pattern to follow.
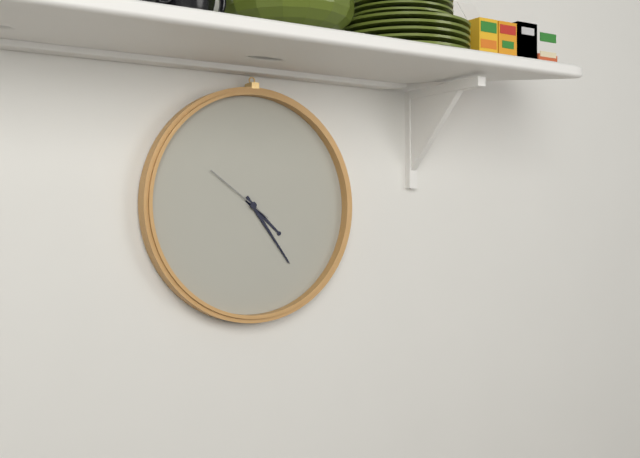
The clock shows **4:24:51**
